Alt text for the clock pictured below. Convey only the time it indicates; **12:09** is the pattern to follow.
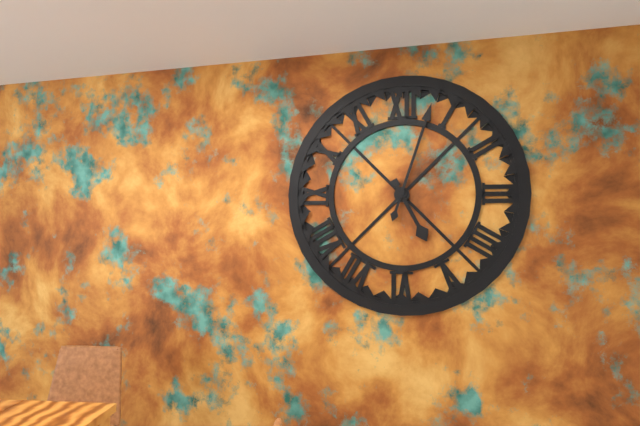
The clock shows **5:03**
